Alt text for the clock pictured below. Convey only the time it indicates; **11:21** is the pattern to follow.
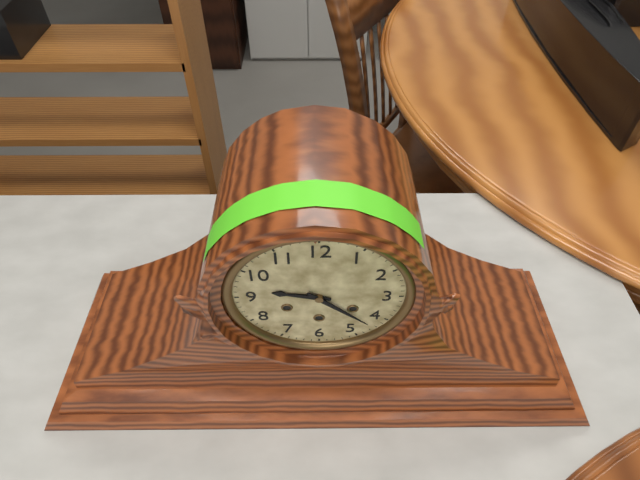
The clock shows **9:22**
